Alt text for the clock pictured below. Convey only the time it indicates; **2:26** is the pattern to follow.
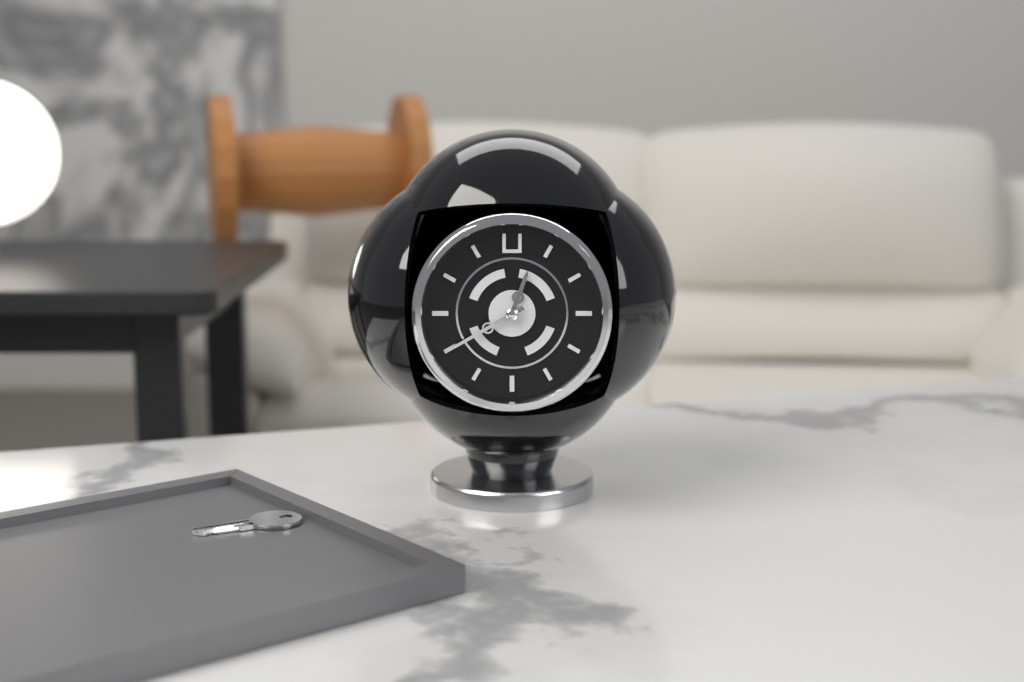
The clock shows **12:40**
